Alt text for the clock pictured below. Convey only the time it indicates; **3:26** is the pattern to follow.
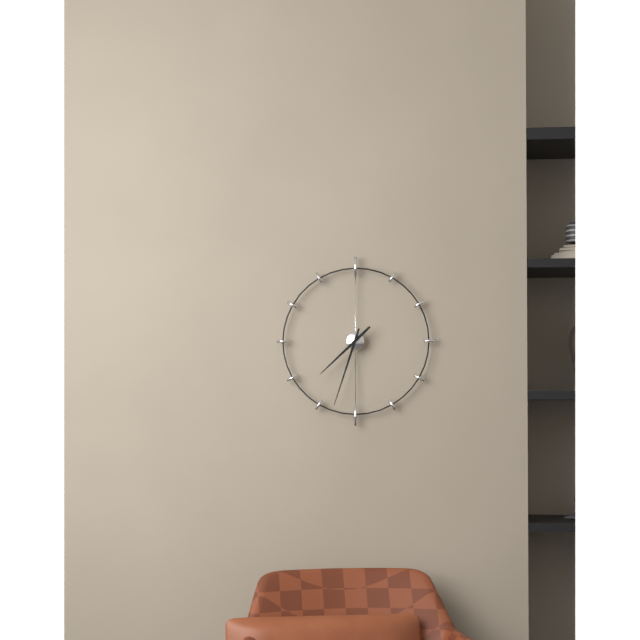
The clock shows **7:33**
